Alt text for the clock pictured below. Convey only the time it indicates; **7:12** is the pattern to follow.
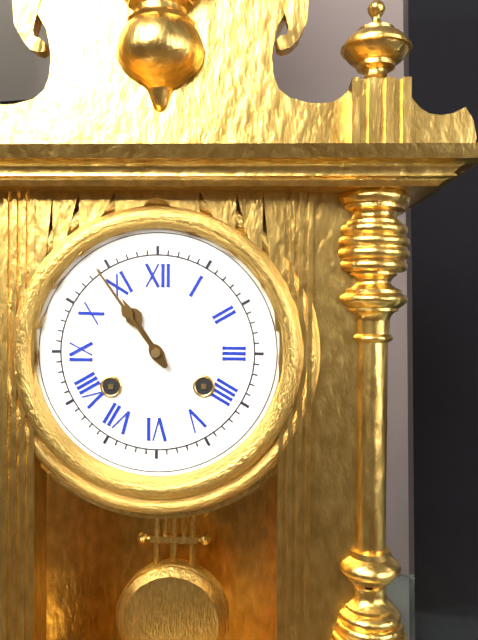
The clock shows **10:54**
